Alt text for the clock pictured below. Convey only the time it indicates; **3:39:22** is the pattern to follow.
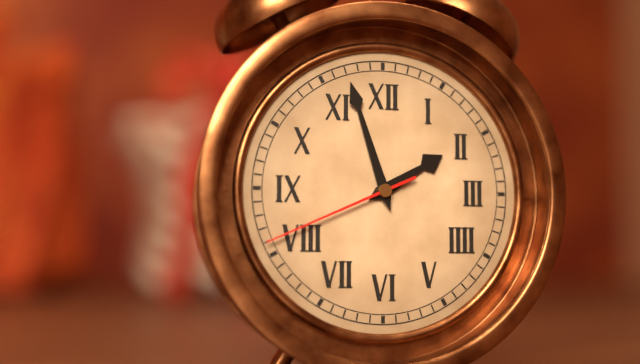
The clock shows **1:57:41**
